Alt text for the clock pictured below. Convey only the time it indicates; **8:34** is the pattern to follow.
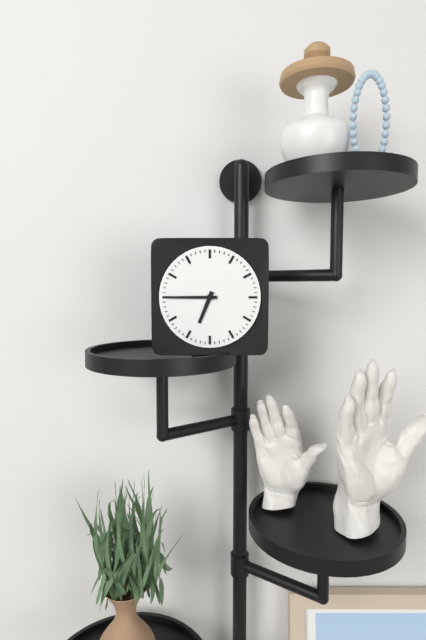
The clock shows **6:45**
